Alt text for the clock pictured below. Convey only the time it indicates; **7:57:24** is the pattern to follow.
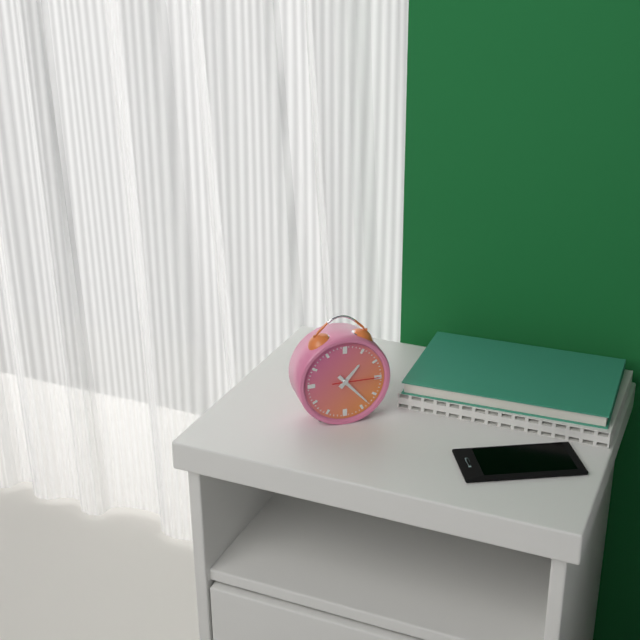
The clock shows **1:23:15**
